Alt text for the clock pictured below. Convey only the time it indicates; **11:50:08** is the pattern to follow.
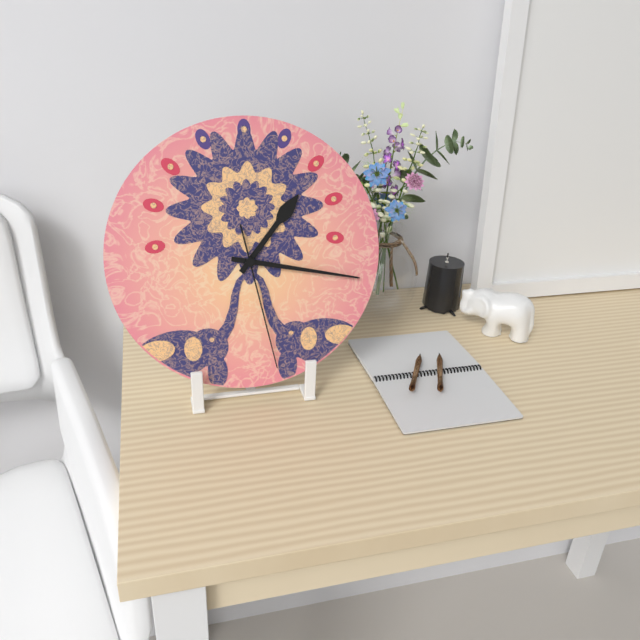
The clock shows **1:17:28**
